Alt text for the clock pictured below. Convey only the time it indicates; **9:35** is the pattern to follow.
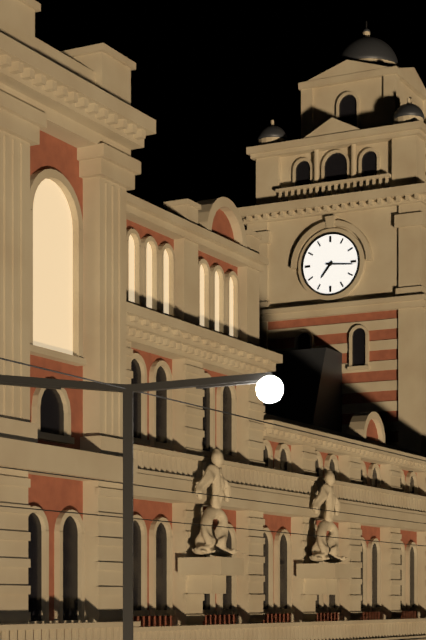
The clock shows **7:16**
